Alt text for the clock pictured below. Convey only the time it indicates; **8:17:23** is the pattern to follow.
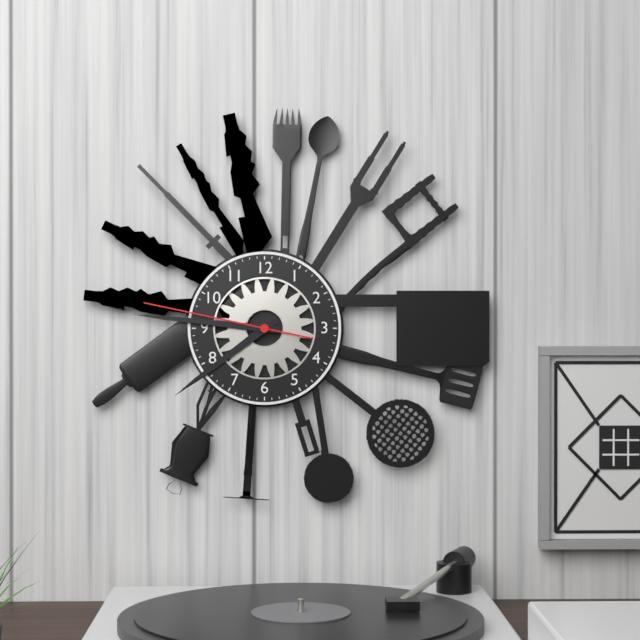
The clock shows **7:46:47**
